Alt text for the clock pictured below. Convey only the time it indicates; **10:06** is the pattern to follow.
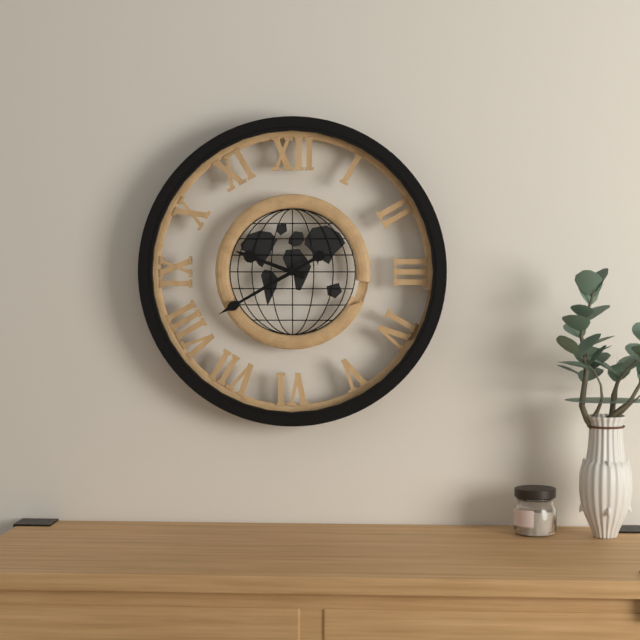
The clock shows **9:40**
